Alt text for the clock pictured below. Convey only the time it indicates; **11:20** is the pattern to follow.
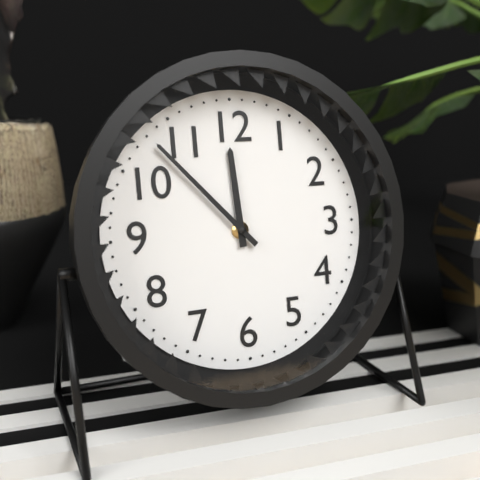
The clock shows **11:53**
